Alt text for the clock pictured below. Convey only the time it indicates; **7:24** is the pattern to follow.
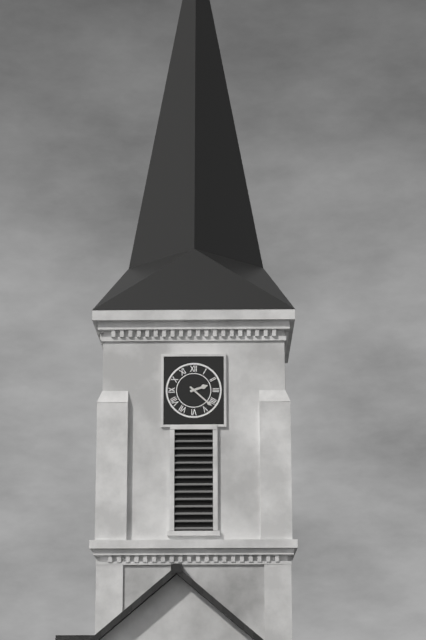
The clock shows **2:22**
